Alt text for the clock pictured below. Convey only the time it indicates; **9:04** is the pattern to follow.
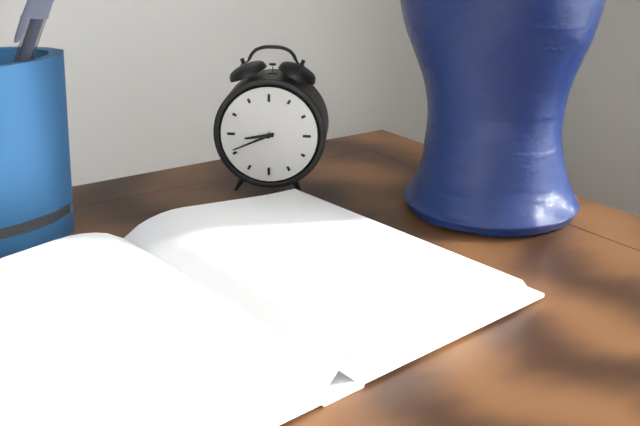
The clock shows **8:41**
